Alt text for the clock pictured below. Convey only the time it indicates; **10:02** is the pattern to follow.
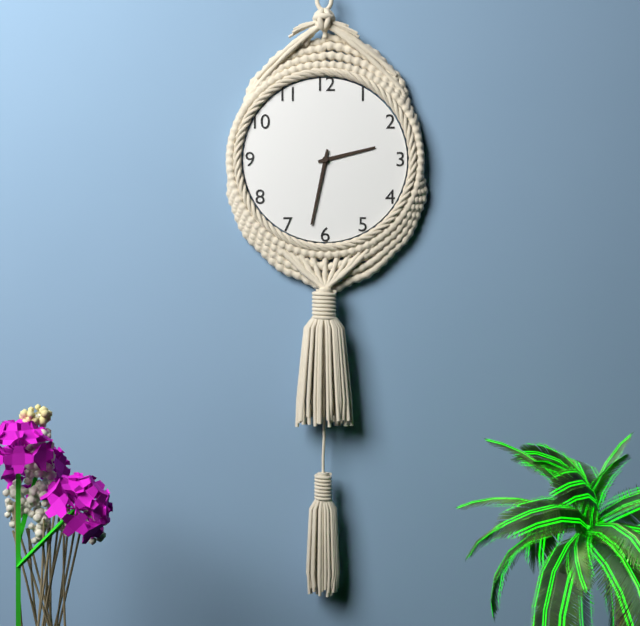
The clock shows **2:32**
